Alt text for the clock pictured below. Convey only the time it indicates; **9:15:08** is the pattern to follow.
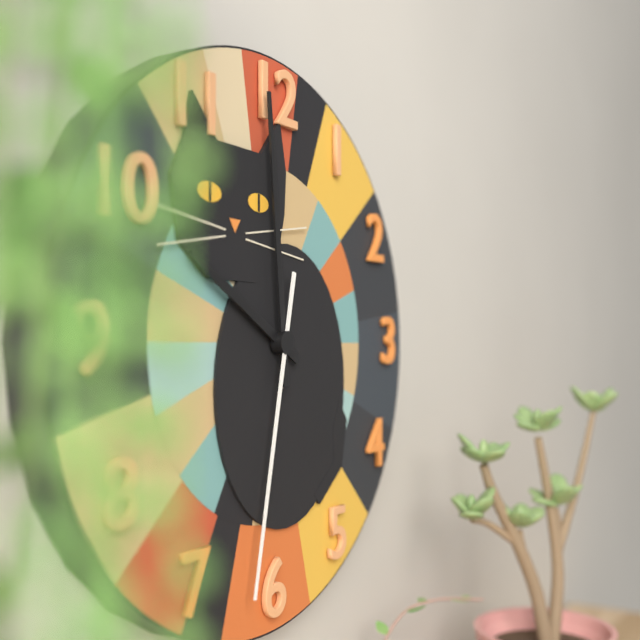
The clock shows **9:59:32**
